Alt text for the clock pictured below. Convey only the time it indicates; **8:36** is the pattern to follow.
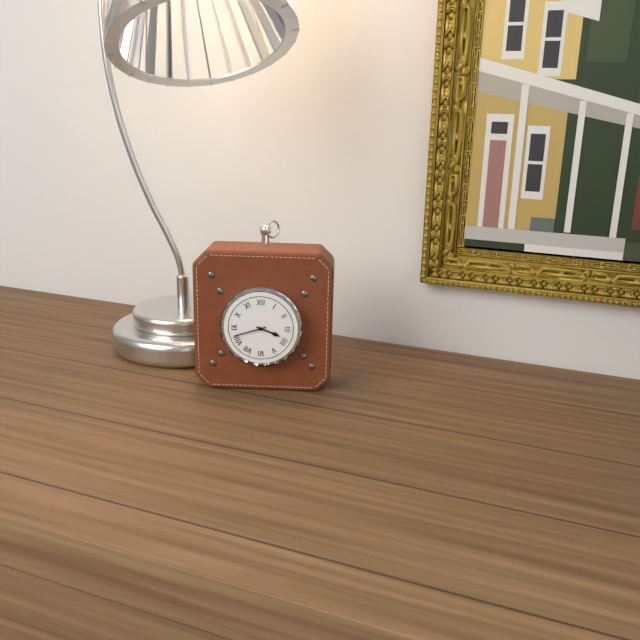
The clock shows **3:42**
